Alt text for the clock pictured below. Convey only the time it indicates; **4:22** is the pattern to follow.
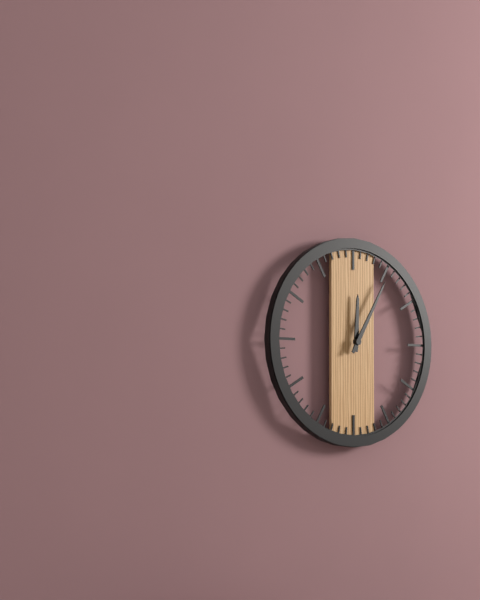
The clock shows **12:05**
